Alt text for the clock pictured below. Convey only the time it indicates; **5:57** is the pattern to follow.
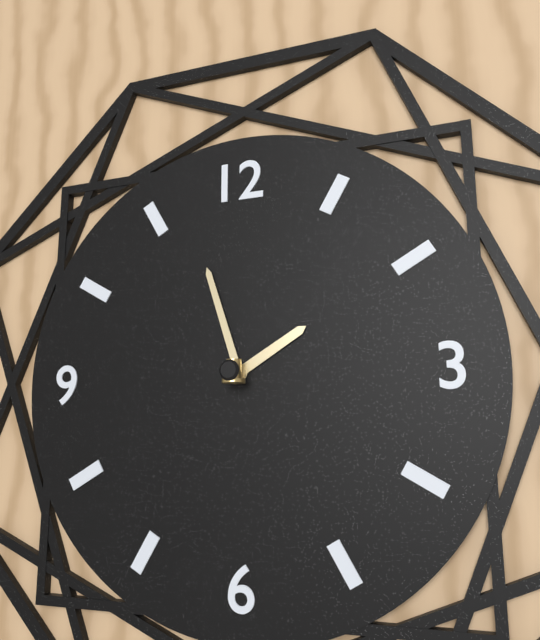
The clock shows **1:57**
